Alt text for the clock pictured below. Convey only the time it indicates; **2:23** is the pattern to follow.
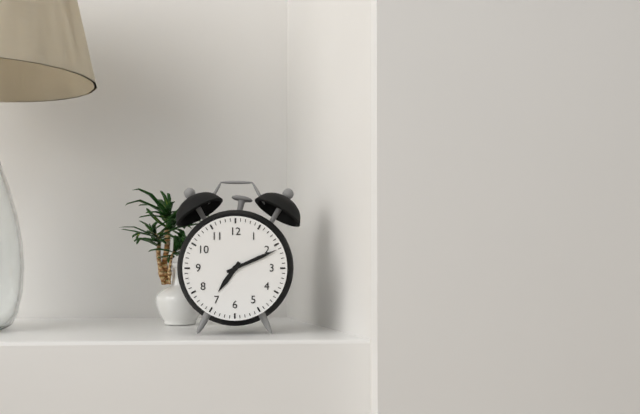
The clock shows **7:11**
